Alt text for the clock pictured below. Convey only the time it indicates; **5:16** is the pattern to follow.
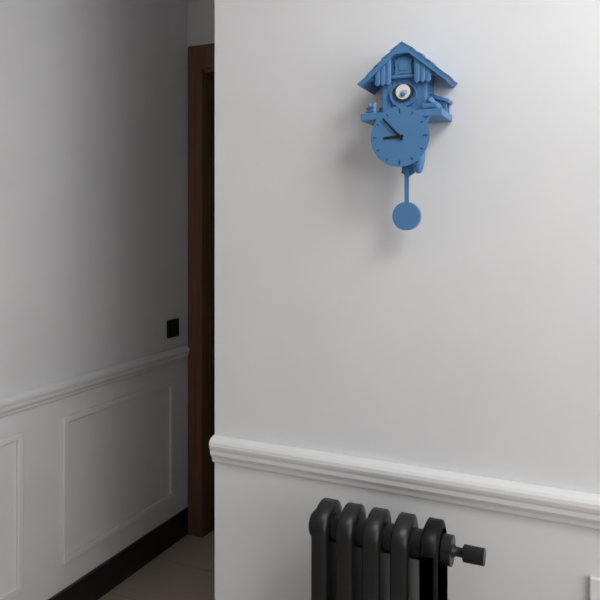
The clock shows **8:53**
